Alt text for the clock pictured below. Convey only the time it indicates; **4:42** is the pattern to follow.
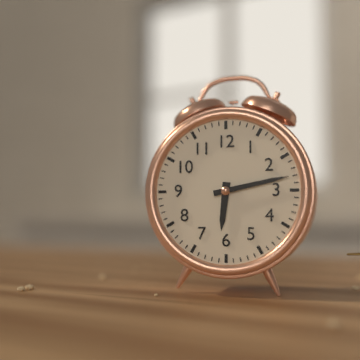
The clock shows **6:13**
